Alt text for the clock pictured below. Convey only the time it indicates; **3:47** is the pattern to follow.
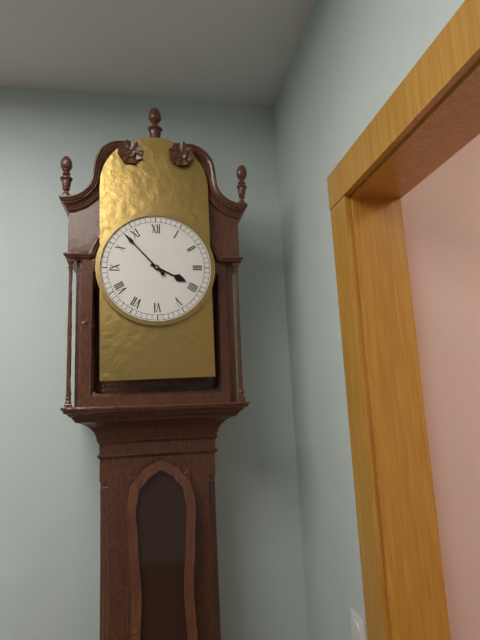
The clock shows **3:53**
